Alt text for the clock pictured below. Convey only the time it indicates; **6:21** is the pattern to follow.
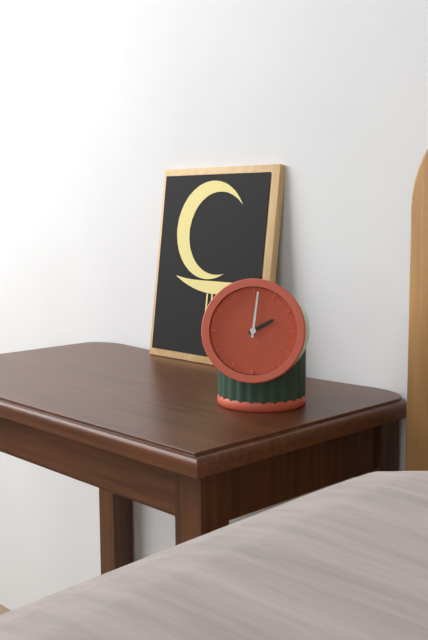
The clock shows **2:01**
